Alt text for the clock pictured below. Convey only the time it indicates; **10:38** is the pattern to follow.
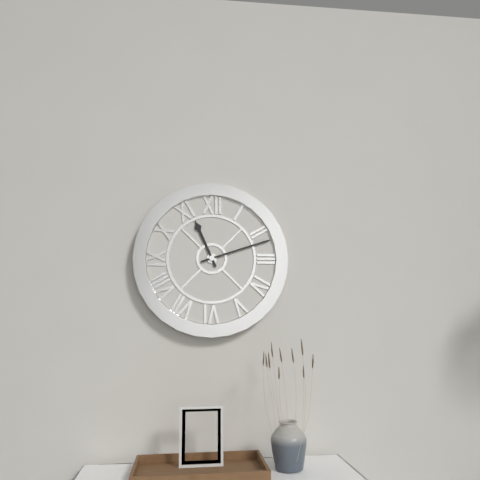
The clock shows **11:12**
